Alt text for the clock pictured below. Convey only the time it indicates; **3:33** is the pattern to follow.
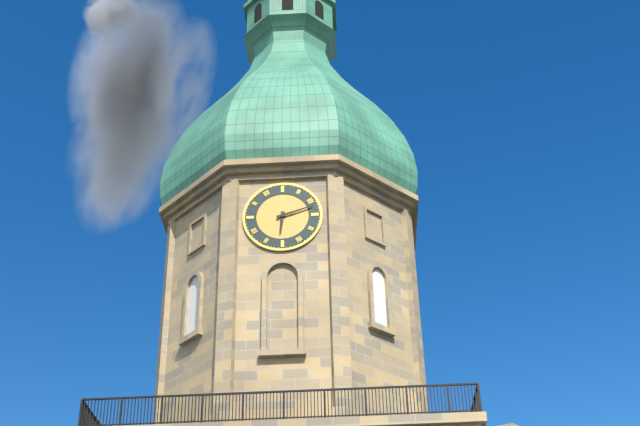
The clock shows **6:12**
